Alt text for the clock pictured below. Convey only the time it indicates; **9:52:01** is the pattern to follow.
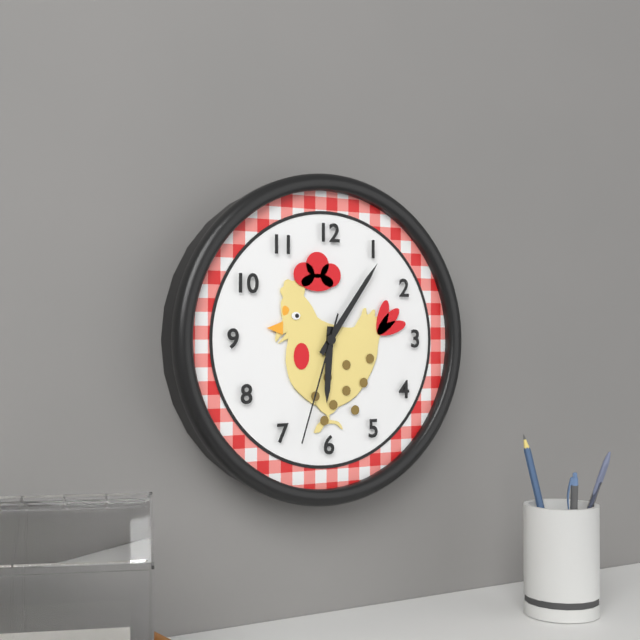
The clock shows **6:06:33**
